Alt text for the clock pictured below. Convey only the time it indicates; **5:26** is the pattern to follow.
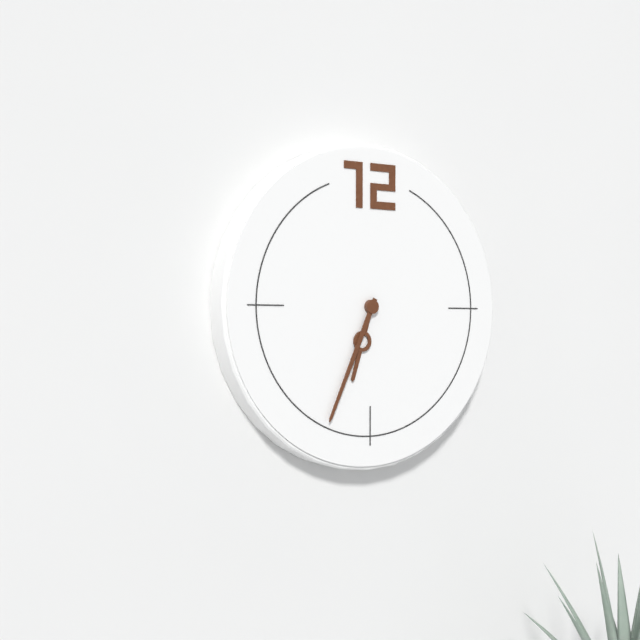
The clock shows **6:34**
